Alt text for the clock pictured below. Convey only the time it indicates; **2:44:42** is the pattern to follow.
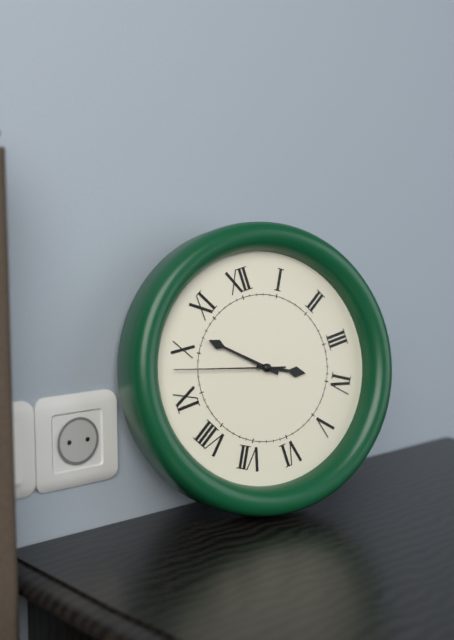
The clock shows **3:52:48**
